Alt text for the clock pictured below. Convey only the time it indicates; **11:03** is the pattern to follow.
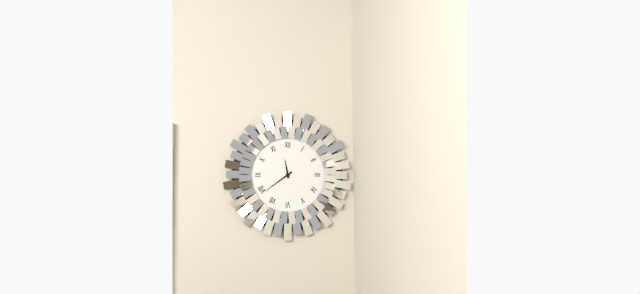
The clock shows **11:39**
